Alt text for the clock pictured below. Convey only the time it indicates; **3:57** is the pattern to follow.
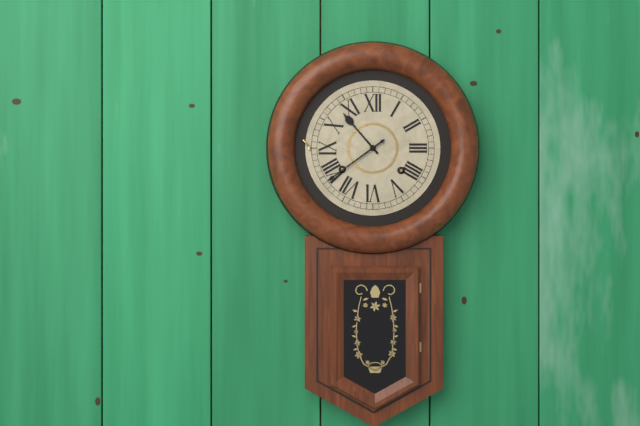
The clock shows **10:39**
